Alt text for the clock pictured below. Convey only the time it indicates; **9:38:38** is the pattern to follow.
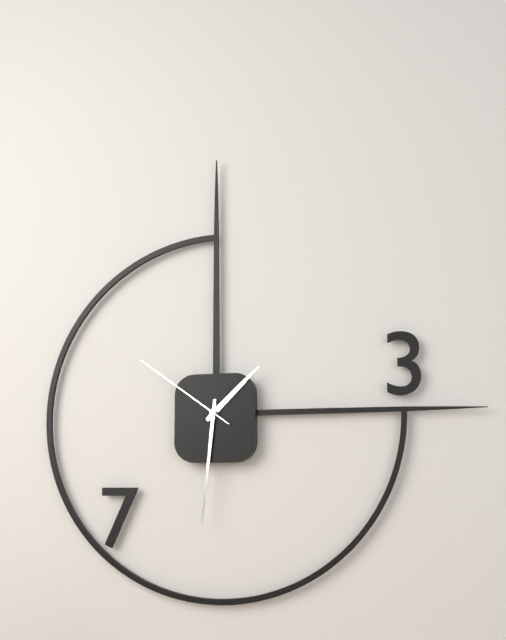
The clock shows **1:31:51**
